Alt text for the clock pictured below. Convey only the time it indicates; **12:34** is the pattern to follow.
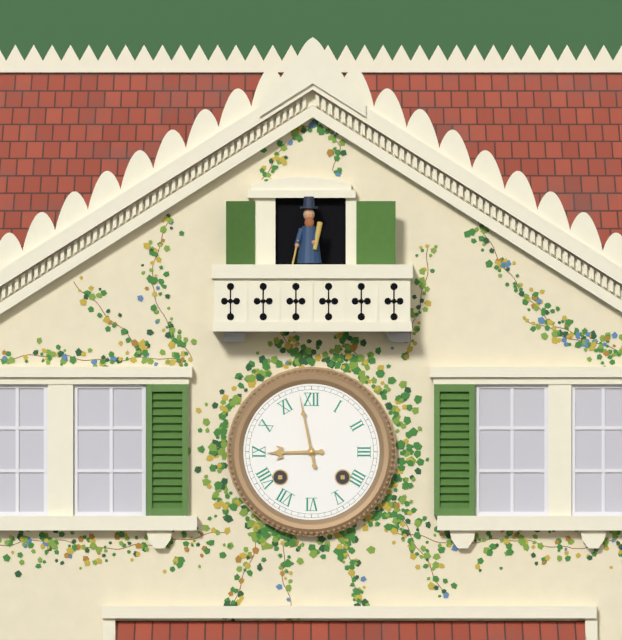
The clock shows **8:58**
